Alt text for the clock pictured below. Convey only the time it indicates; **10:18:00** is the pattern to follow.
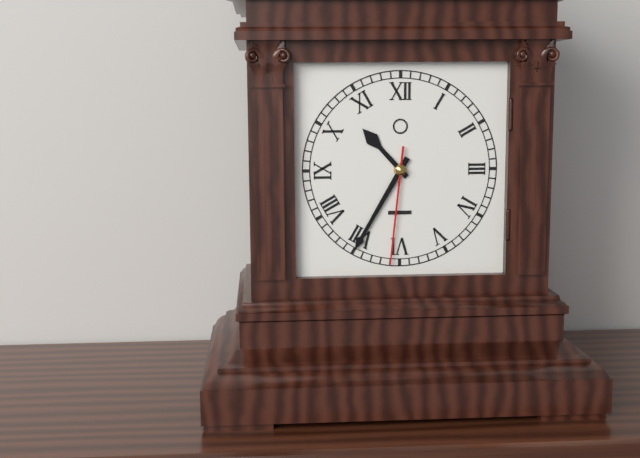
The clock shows **10:35:31**
